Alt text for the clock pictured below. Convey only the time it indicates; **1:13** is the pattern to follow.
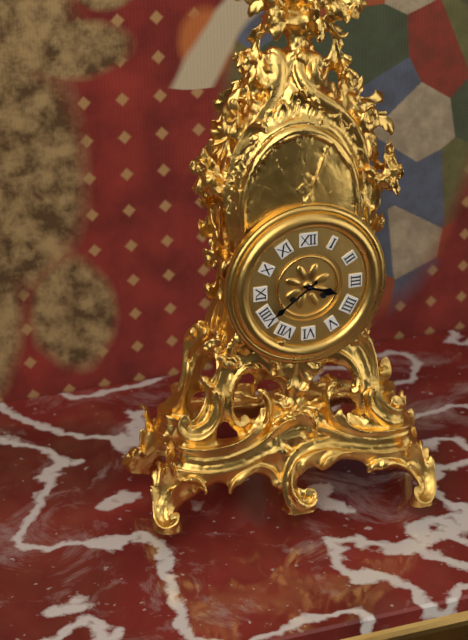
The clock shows **3:39**
